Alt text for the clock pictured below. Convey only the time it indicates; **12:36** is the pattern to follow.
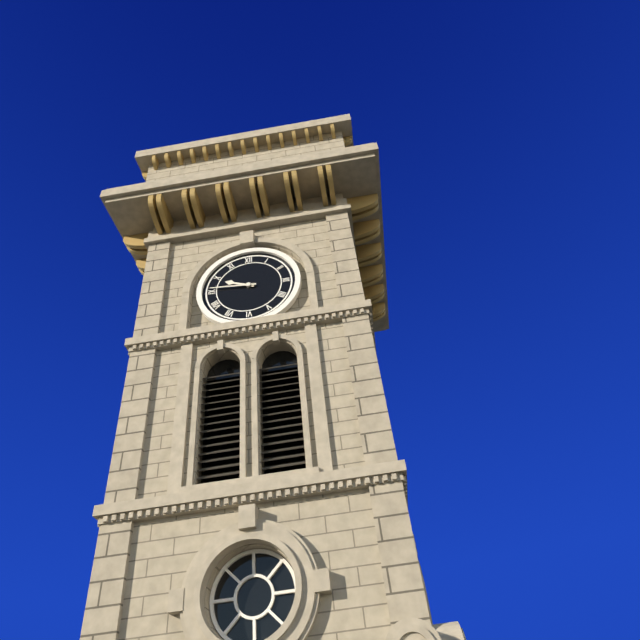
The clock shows **9:46**
